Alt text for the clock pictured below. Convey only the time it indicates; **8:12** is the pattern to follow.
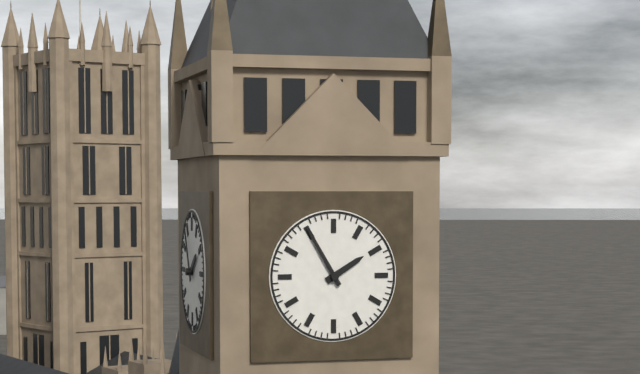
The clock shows **1:55**
